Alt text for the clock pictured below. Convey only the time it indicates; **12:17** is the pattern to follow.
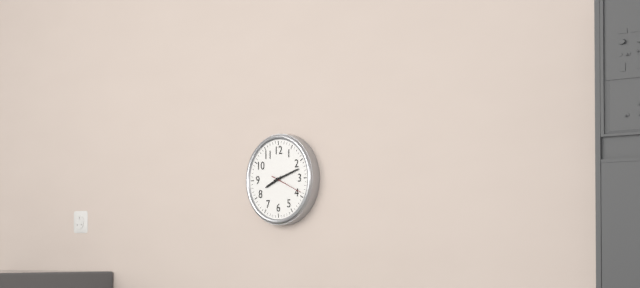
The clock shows **8:12**
